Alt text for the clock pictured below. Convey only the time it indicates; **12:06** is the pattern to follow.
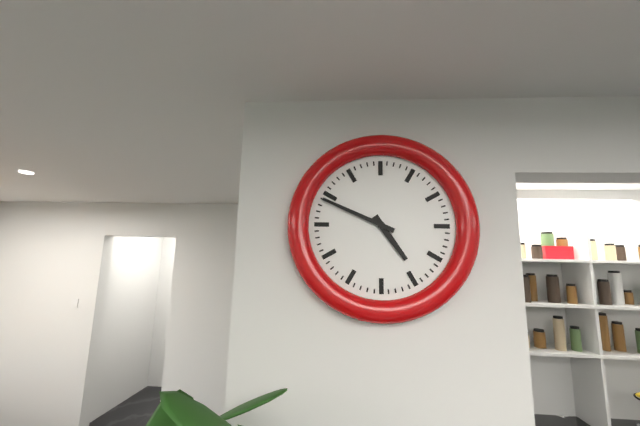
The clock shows **4:49**
